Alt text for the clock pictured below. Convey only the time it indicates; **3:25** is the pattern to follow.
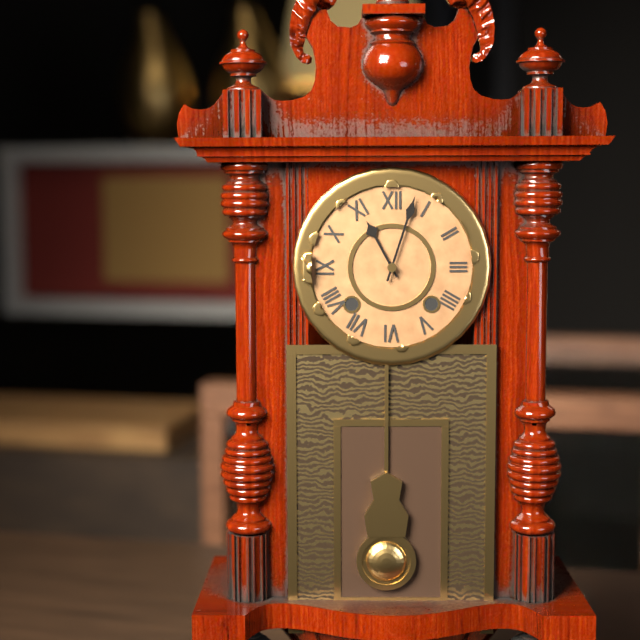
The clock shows **11:03**
